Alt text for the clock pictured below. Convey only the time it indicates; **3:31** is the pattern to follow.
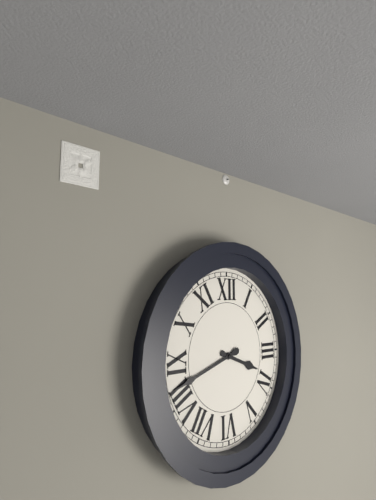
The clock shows **3:42**
